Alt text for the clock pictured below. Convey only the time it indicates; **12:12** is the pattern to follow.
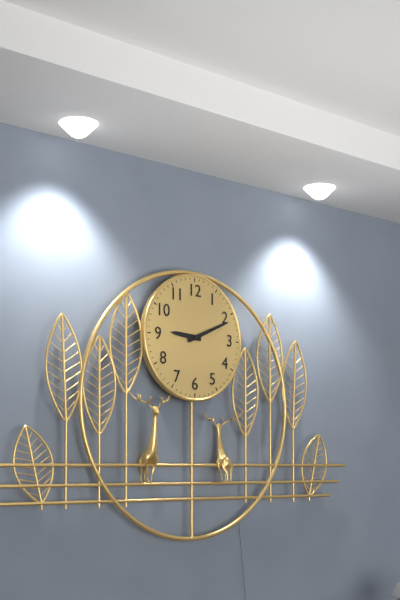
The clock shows **9:11**
